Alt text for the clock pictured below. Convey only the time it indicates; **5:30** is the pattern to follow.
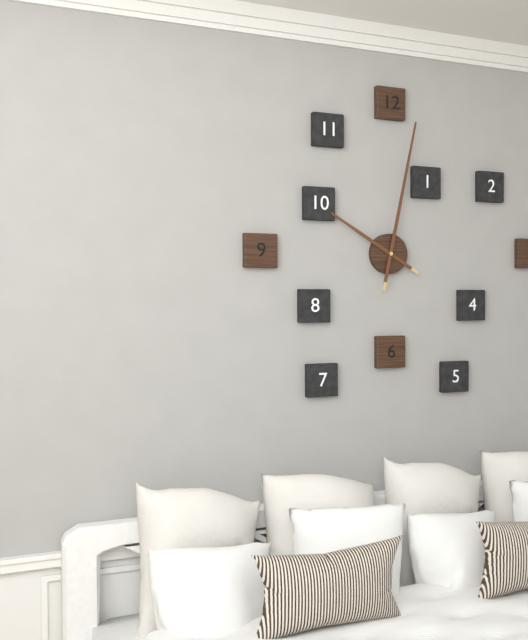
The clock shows **10:02**
